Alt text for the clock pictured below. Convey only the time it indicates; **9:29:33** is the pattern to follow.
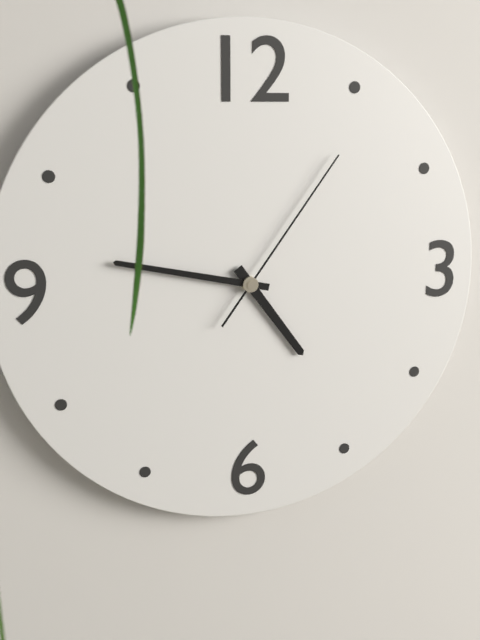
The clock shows **4:47:06**
